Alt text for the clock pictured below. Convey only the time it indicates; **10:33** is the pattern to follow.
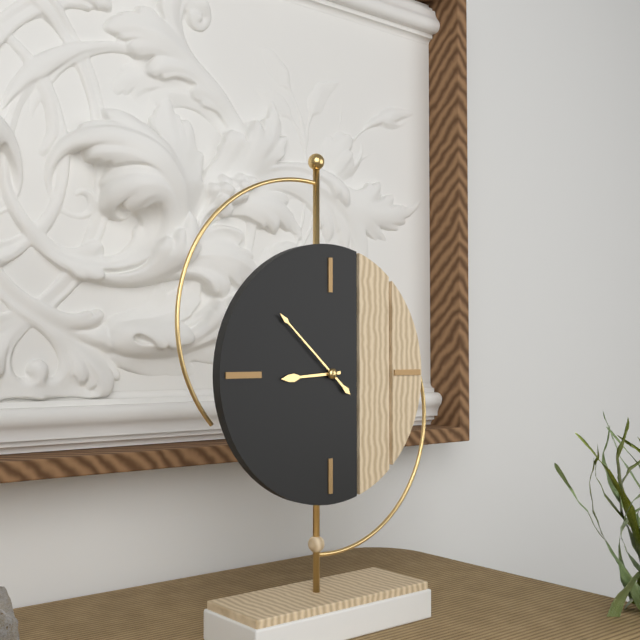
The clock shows **8:52**
